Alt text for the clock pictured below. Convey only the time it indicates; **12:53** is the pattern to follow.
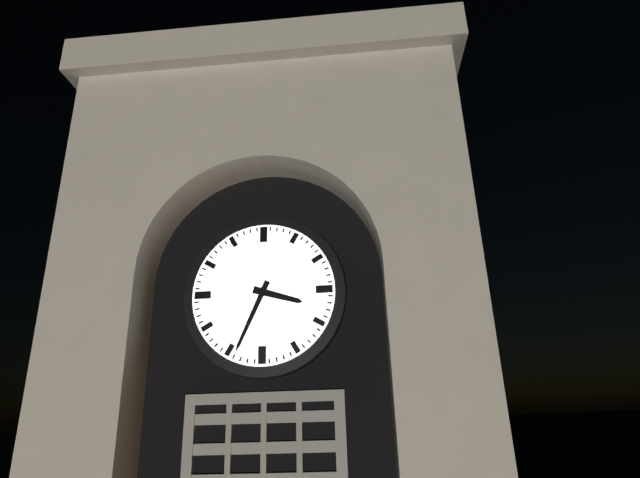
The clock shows **3:34**
